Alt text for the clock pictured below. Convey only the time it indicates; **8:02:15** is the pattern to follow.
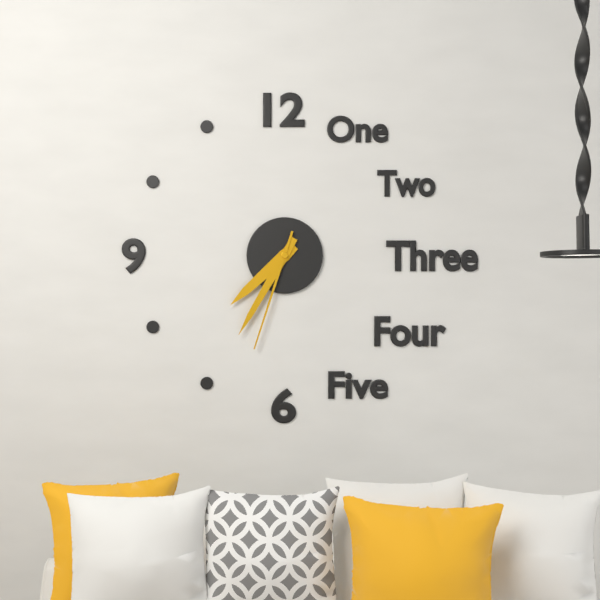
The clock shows **7:35:33**
